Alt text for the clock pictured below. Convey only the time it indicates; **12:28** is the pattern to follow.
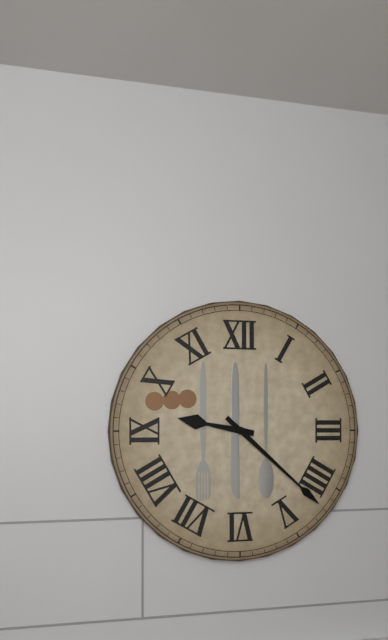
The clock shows **9:22**
